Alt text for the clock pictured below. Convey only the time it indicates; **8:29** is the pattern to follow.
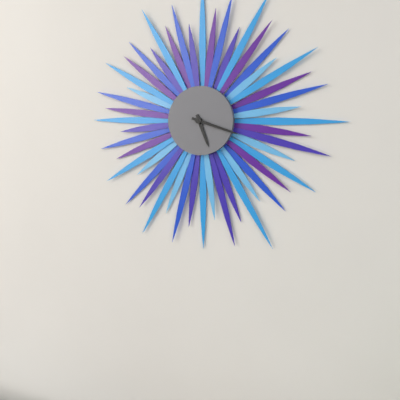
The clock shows **5:18**
